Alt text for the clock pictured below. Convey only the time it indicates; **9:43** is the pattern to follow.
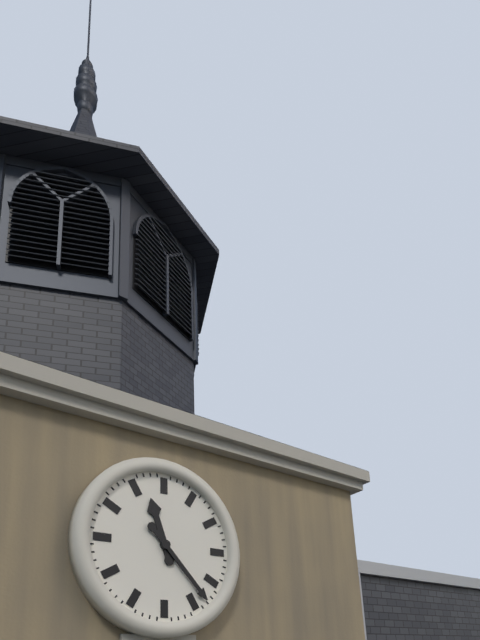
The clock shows **11:23**
